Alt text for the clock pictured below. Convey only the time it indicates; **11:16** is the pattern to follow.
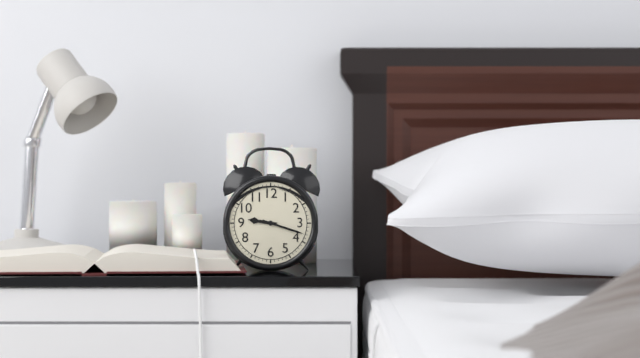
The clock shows **9:18**
